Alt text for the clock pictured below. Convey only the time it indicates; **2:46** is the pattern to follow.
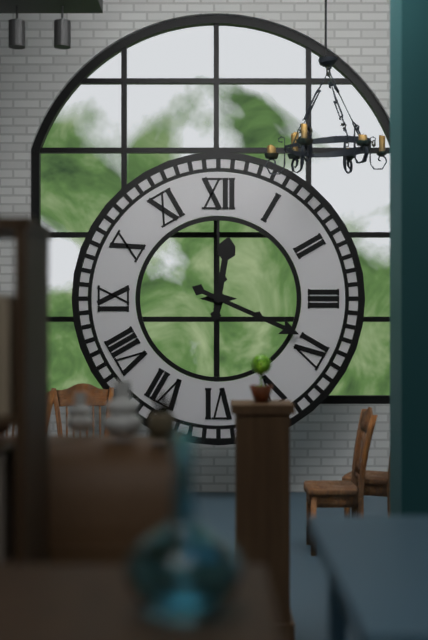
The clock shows **12:19**
